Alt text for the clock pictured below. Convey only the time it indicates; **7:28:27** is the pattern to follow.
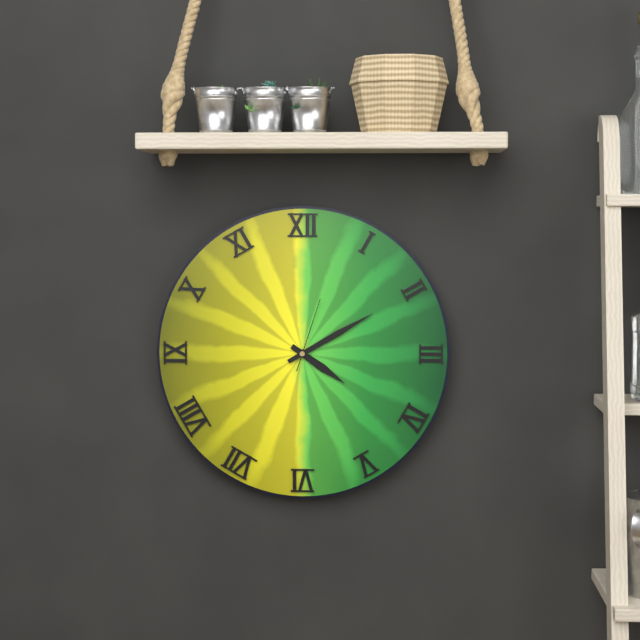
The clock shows **4:10:03**
